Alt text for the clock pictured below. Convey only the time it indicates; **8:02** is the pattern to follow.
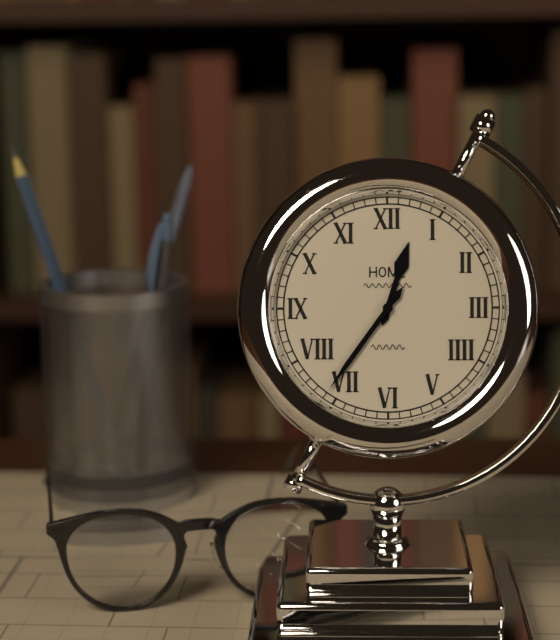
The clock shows **12:36**
